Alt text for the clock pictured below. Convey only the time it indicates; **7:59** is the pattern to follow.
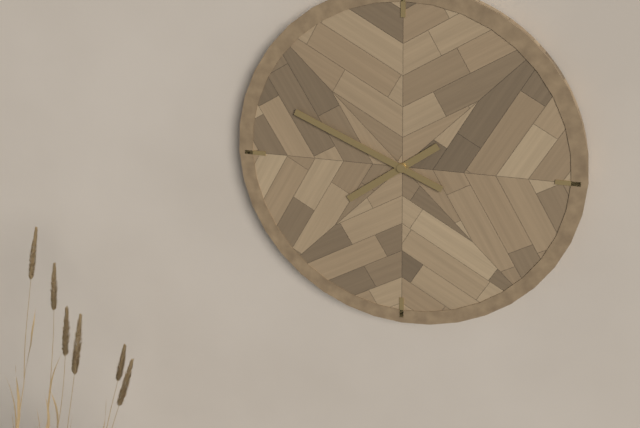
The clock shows **7:49**
